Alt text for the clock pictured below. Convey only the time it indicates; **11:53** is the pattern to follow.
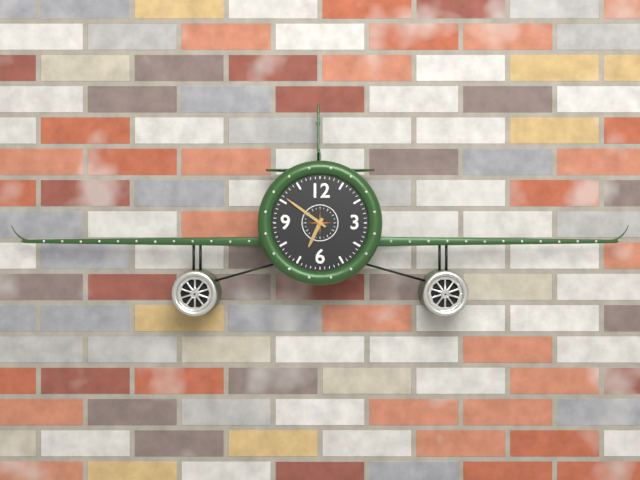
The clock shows **6:51**
